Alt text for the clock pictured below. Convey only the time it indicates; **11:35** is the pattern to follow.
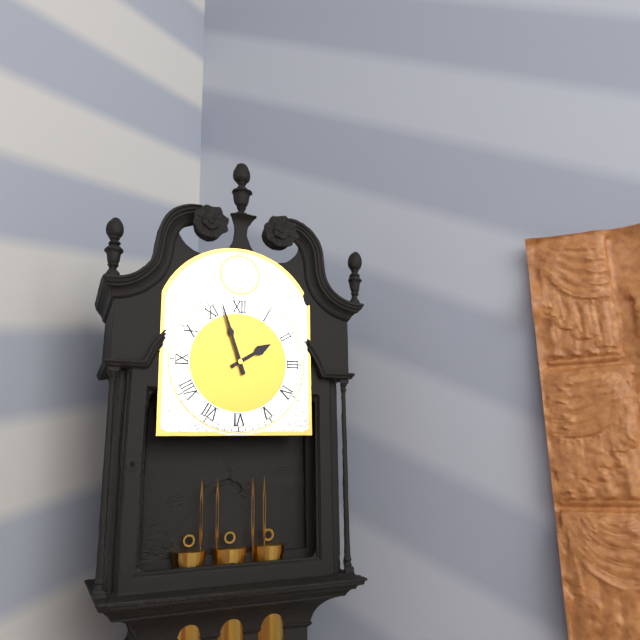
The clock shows **1:57**
